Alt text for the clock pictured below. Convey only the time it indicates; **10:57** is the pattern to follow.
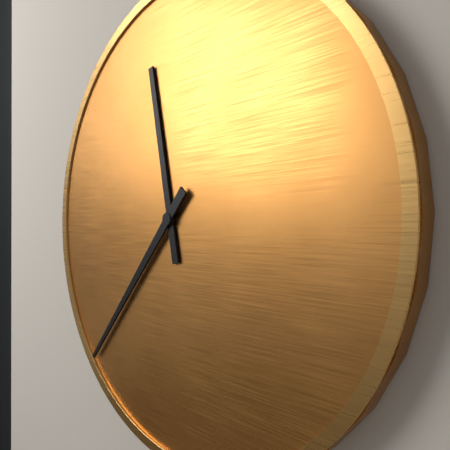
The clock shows **11:37**
